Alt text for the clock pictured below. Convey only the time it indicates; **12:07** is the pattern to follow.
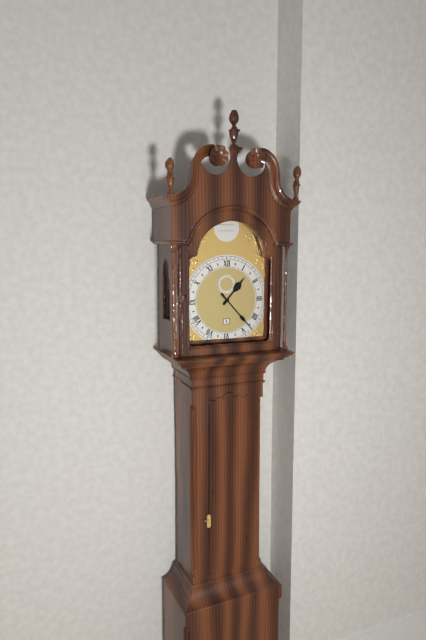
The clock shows **1:23**
